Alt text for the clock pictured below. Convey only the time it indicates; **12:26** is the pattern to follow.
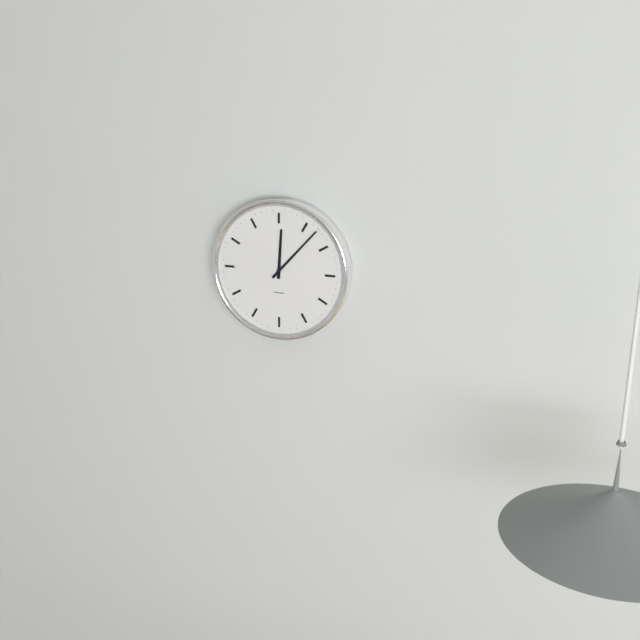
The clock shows **12:07**
